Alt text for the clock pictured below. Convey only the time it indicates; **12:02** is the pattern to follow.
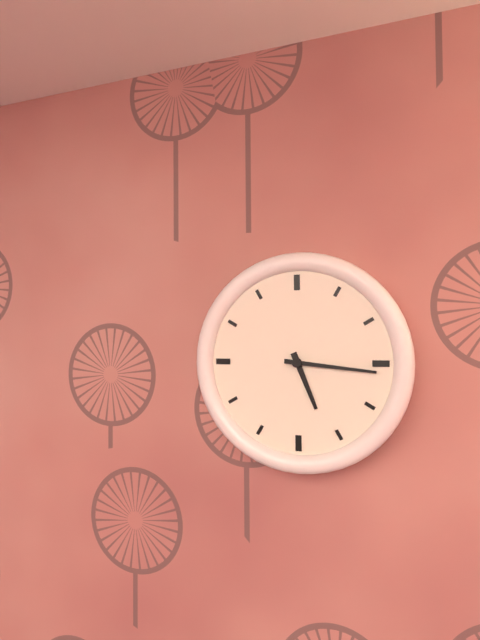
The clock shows **5:16**
